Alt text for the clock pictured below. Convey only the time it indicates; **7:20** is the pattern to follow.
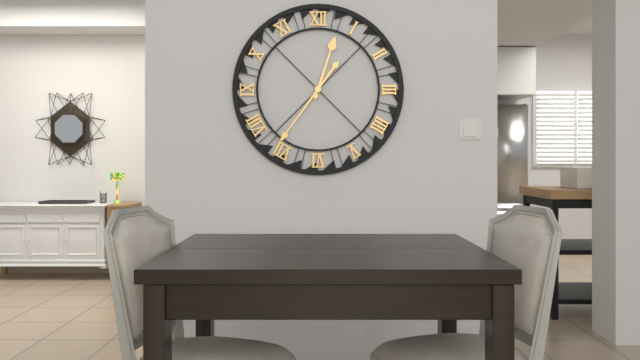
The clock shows **12:36**
